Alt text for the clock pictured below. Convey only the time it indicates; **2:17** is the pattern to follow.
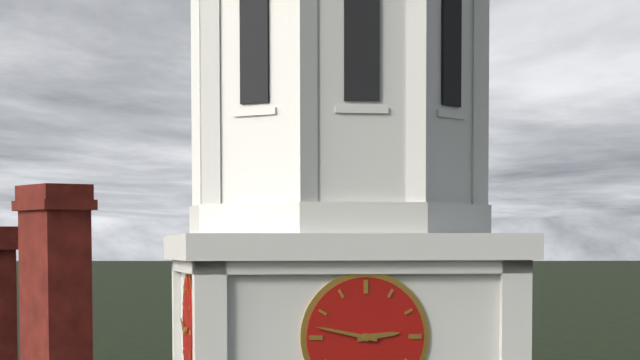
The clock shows **2:47**
